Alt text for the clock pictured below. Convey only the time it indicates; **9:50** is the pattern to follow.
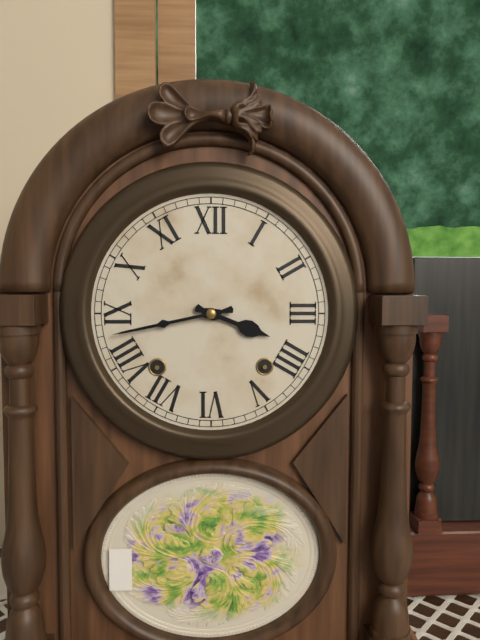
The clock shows **3:43**
